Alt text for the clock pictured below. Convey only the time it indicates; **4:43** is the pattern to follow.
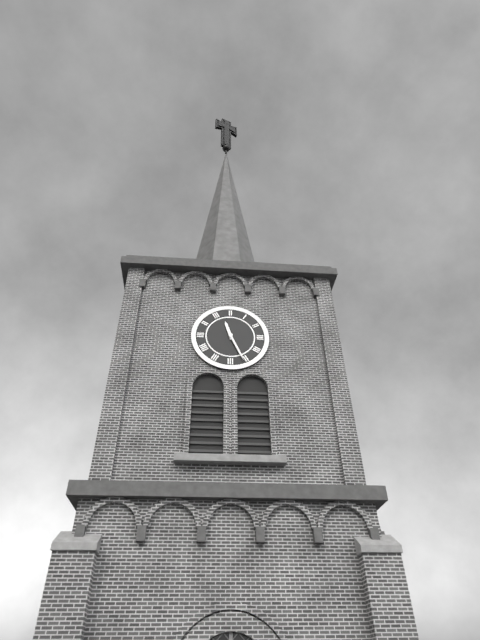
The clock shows **11:26**
